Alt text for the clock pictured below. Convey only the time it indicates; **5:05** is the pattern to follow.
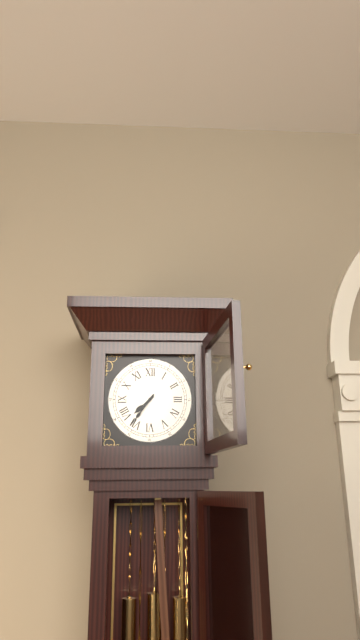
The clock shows **7:36**
